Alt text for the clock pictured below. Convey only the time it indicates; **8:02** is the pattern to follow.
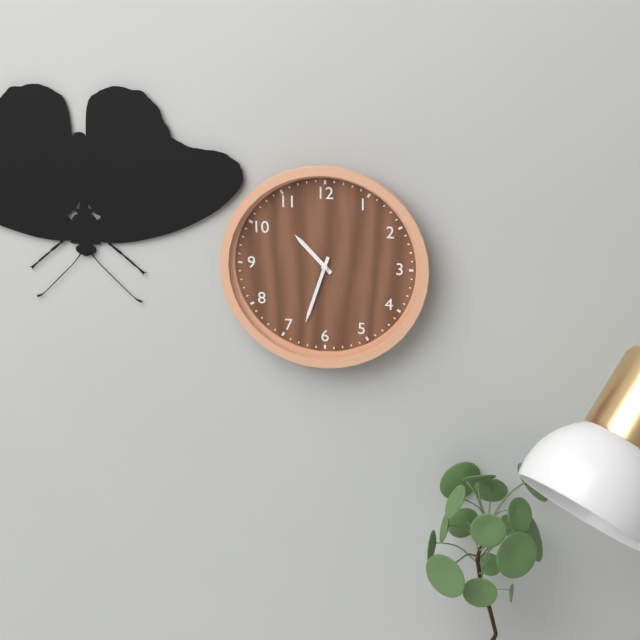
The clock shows **10:33**
